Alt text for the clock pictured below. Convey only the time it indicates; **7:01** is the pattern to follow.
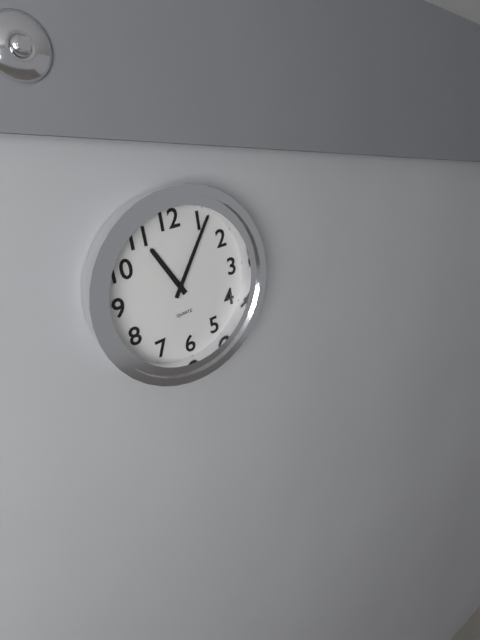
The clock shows **11:06**
